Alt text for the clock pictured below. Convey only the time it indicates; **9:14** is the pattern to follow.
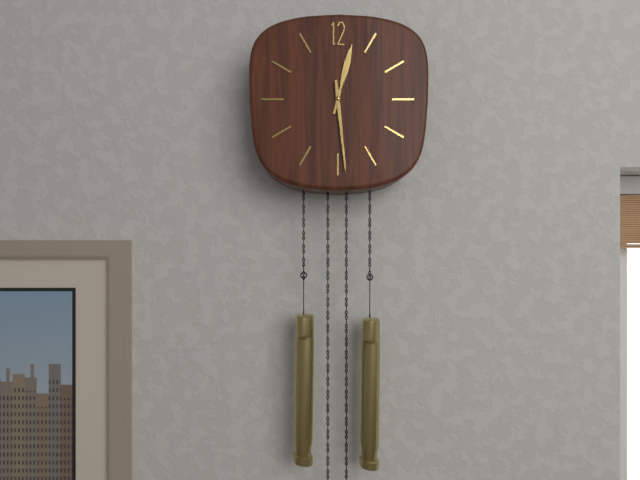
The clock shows **12:29**
